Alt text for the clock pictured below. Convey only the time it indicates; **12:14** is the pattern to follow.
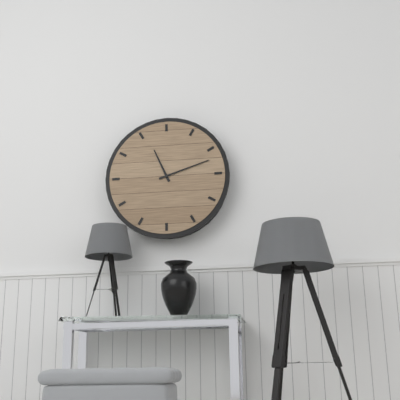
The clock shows **11:12**
